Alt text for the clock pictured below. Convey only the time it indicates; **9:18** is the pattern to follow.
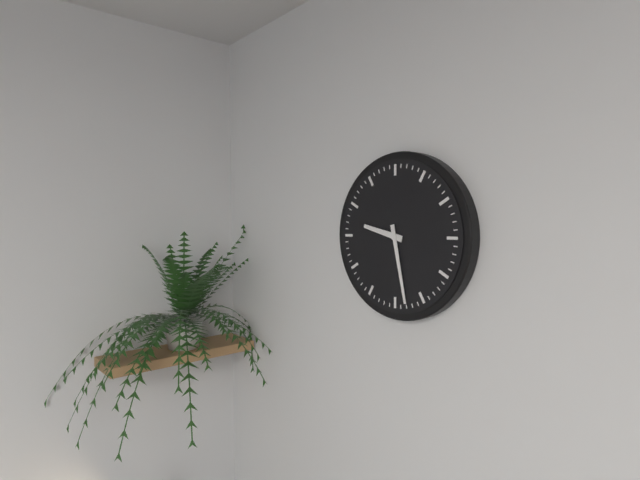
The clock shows **9:28**
